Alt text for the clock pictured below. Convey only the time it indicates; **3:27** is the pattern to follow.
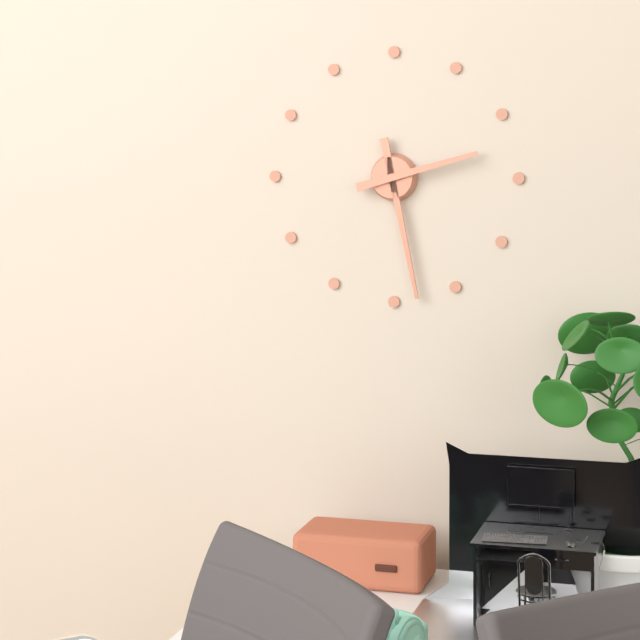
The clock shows **2:28**
